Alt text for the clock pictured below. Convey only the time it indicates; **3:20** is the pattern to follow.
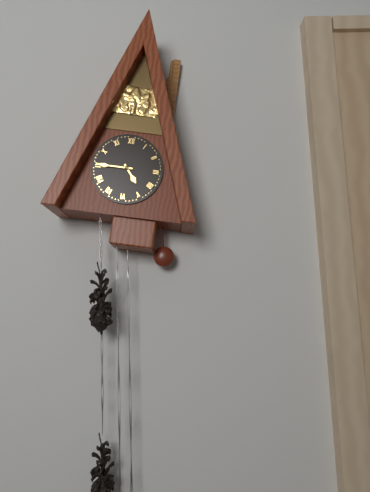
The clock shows **4:45**
